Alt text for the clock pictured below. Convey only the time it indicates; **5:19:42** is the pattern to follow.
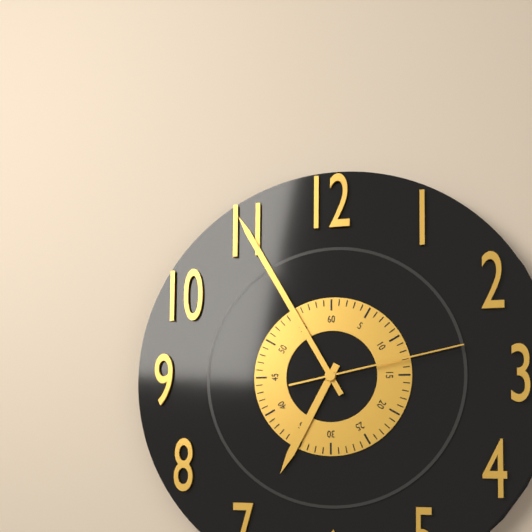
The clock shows **6:55:13**
